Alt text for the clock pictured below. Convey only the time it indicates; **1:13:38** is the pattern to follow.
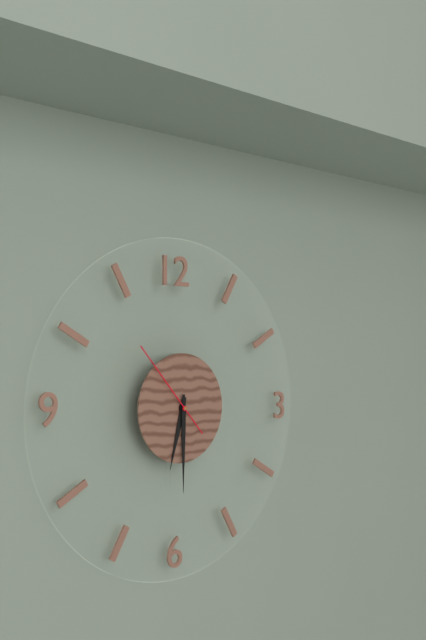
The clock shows **6:30:53**
